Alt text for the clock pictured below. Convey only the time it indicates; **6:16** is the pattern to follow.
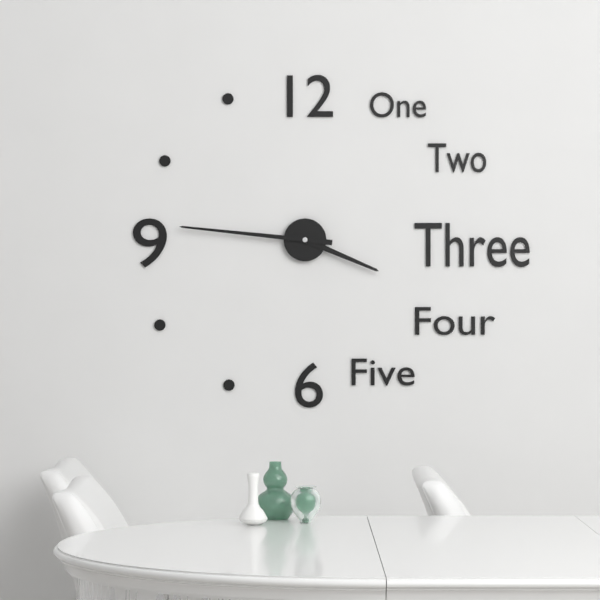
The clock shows **3:46**
